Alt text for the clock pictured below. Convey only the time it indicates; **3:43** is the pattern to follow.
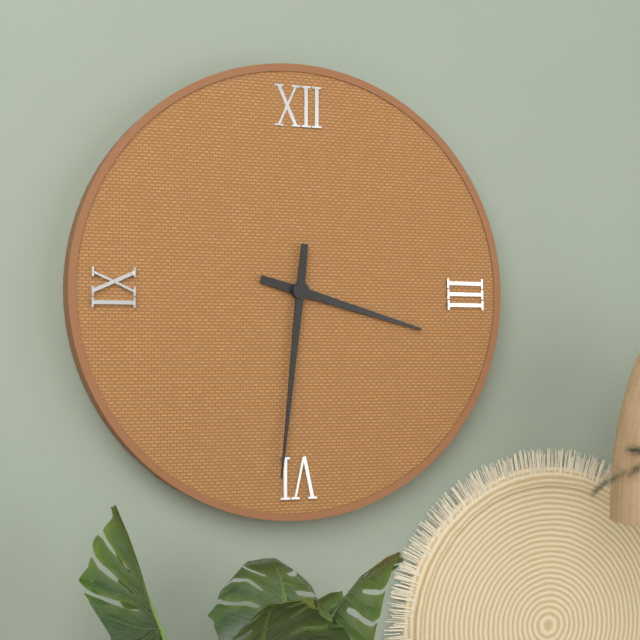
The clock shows **3:31**
